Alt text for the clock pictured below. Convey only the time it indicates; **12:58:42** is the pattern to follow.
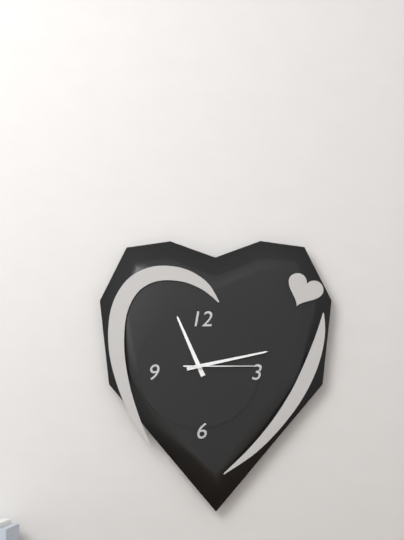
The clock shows **11:13:15**
